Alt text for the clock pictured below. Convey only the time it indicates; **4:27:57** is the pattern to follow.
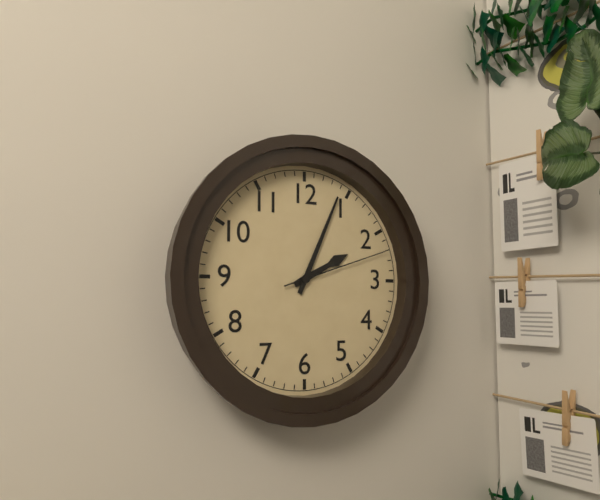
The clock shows **2:04:12**
